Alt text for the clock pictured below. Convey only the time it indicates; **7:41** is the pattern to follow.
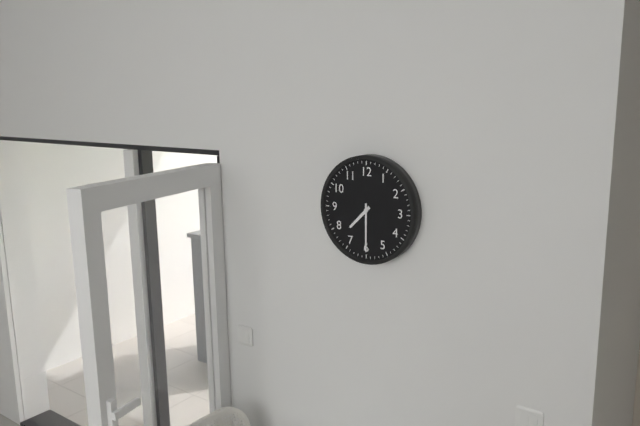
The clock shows **7:30**
